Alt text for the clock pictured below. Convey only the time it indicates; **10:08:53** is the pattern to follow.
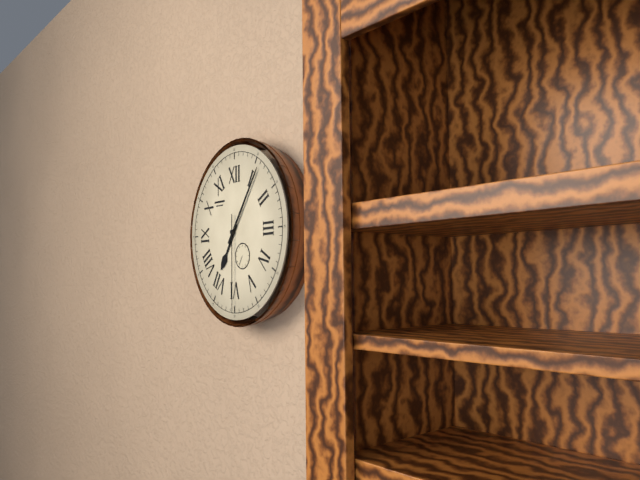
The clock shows **7:06:30**
